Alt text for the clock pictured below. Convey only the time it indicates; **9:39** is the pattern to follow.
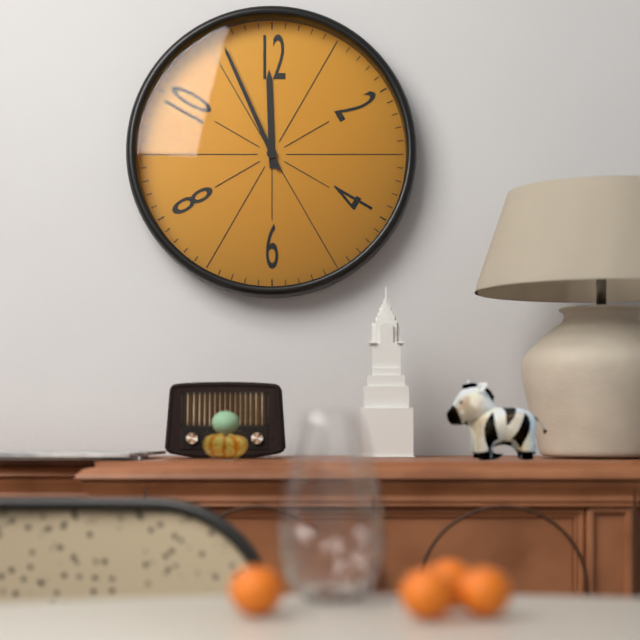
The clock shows **11:56**
